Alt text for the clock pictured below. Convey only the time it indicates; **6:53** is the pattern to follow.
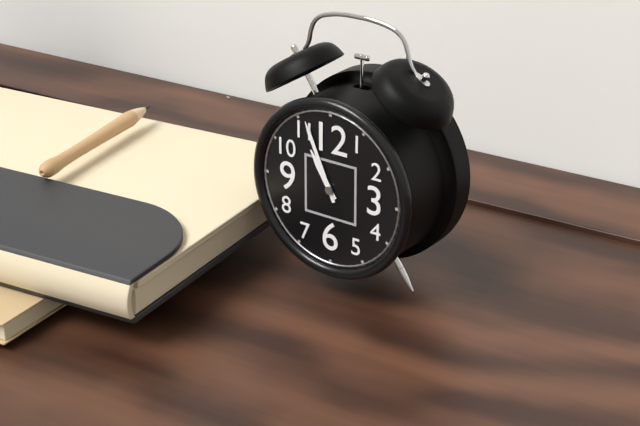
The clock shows **10:56**
